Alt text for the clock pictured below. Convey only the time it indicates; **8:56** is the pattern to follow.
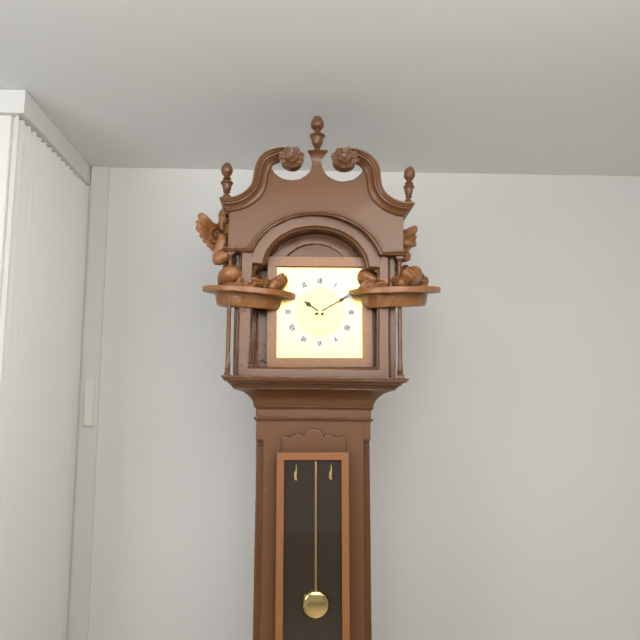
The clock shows **10:10**
